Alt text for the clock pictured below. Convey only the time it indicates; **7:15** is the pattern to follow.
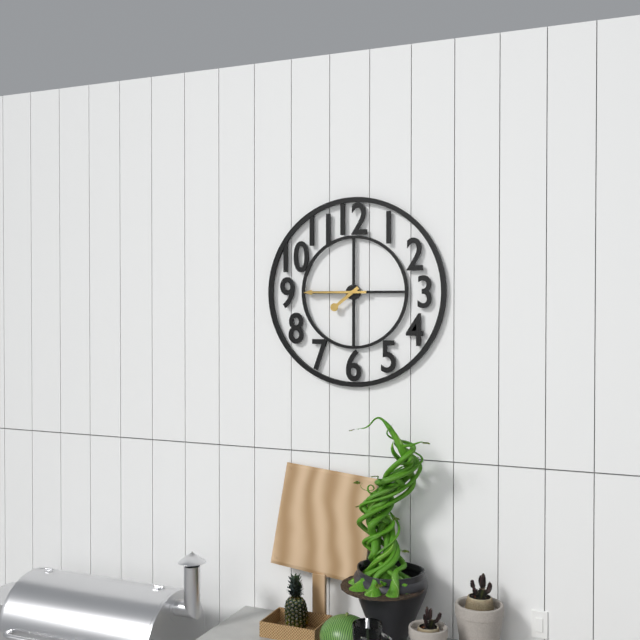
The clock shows **7:45**
